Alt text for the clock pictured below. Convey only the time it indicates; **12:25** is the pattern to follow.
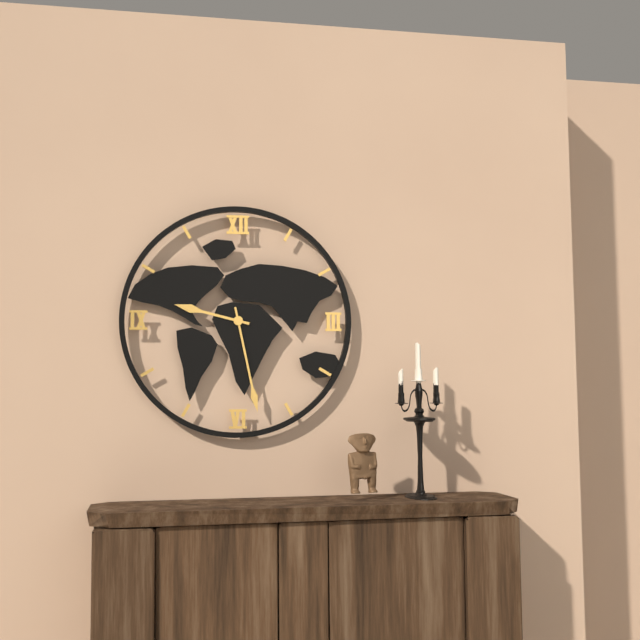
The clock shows **9:28**
